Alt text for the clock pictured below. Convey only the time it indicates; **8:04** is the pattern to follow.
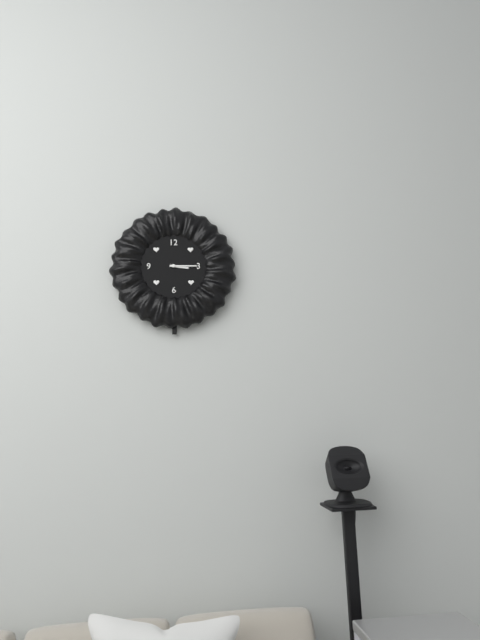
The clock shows **3:15**
